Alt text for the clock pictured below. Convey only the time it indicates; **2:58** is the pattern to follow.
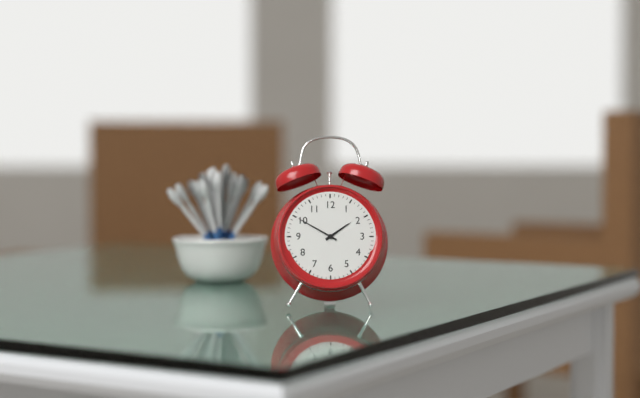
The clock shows **1:50**
